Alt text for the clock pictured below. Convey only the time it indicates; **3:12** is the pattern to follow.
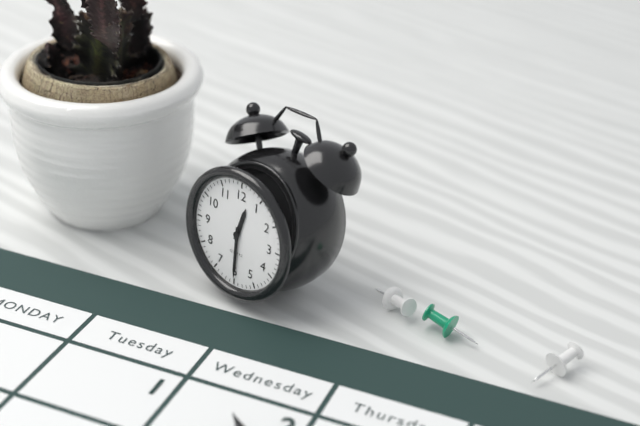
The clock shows **12:30**
